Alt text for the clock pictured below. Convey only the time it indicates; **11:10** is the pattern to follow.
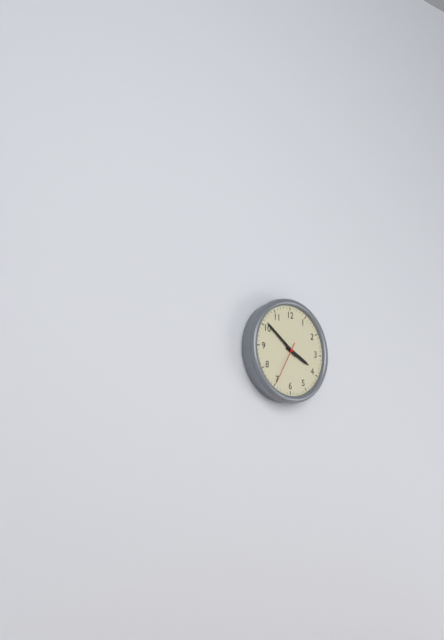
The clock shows **3:51**
